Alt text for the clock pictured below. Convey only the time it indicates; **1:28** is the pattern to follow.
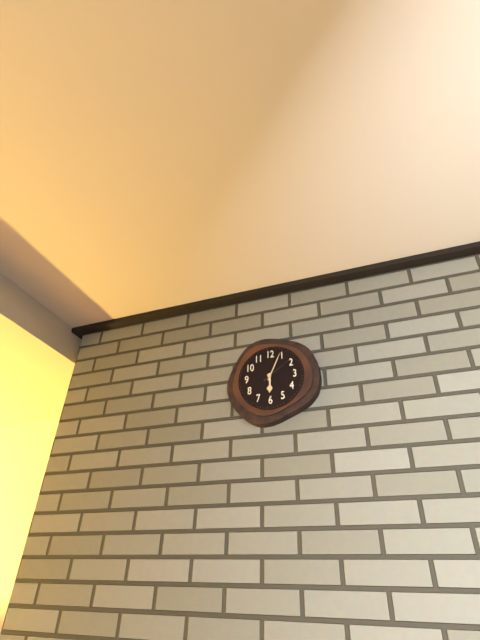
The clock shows **6:04**
